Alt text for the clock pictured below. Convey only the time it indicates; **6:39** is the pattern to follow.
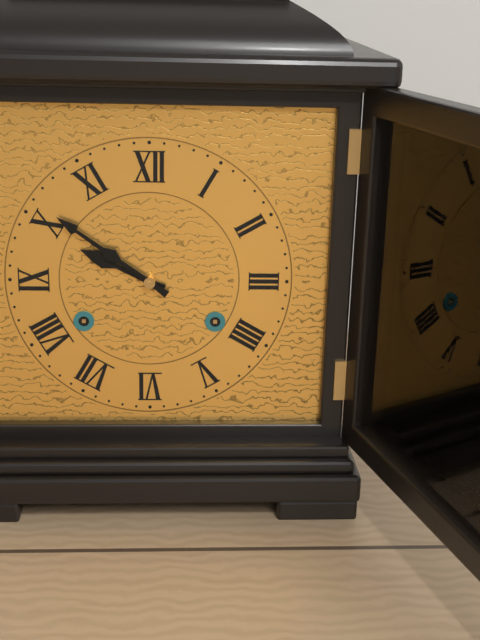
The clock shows **9:51**
